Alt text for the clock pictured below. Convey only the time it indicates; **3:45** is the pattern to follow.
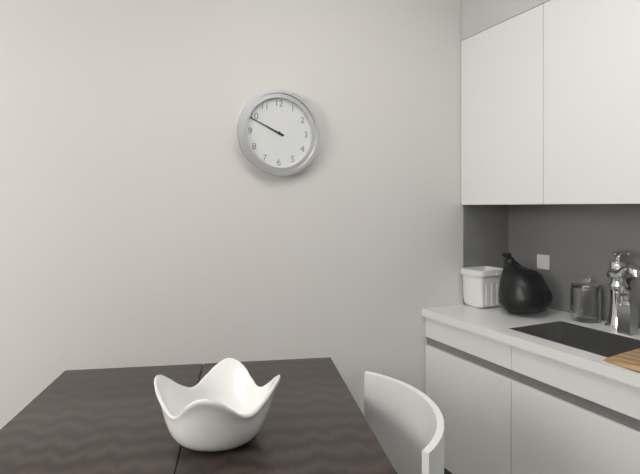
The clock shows **9:49**
